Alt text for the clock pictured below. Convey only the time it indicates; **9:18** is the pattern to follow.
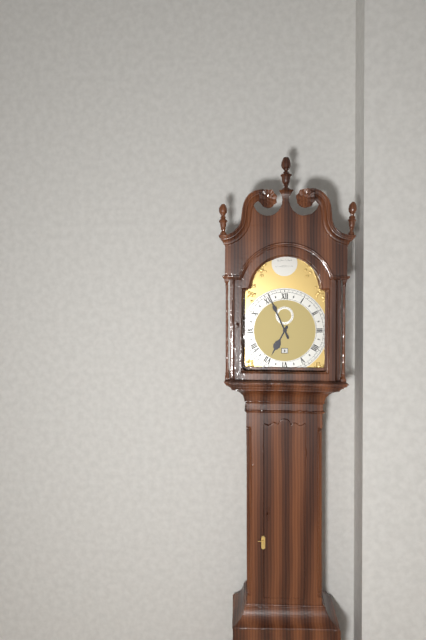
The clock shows **6:56**
